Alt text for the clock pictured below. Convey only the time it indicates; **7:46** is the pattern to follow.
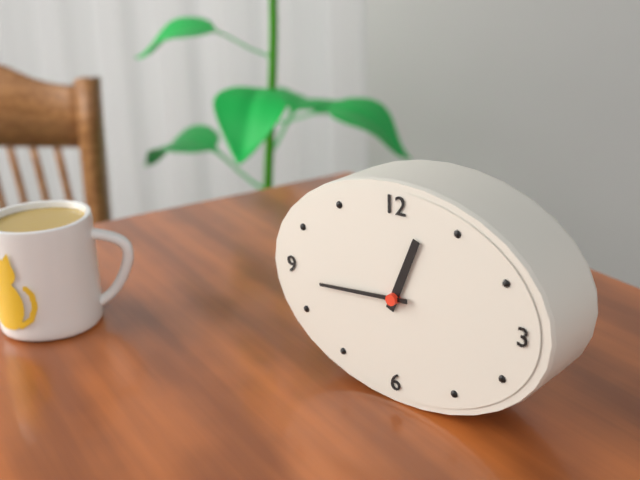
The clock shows **12:44**
